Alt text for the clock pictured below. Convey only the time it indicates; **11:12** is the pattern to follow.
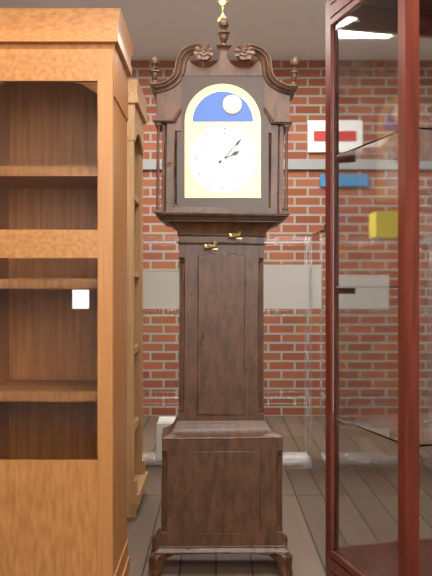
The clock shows **2:07**
